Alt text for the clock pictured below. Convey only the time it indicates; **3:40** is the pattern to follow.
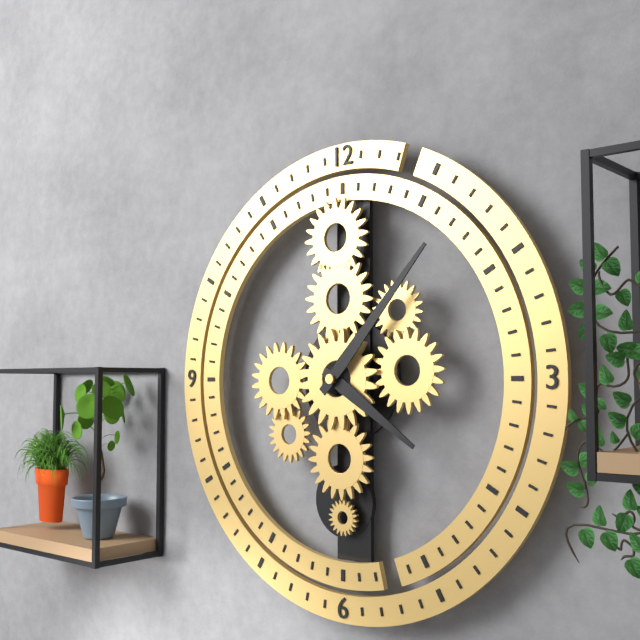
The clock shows **4:07**
